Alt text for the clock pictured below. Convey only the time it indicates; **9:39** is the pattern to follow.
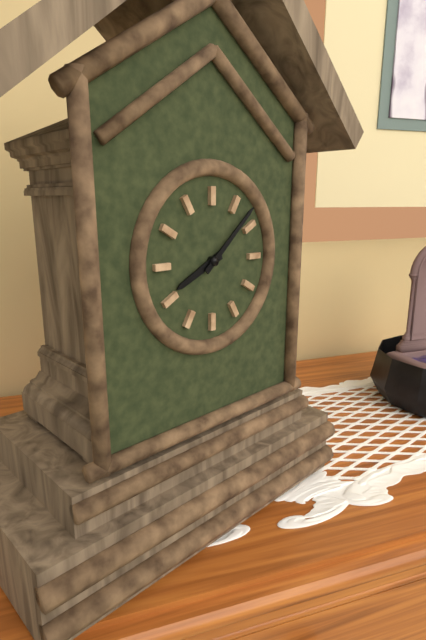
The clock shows **8:08**
